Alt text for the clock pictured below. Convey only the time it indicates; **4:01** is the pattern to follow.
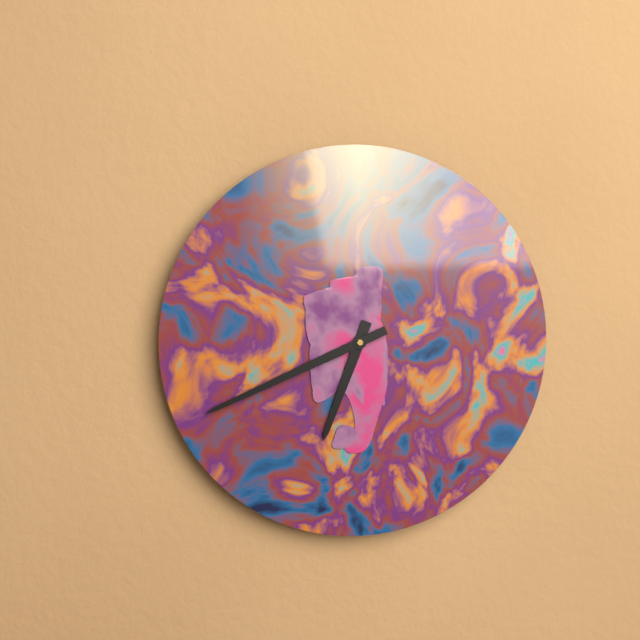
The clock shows **6:41**
